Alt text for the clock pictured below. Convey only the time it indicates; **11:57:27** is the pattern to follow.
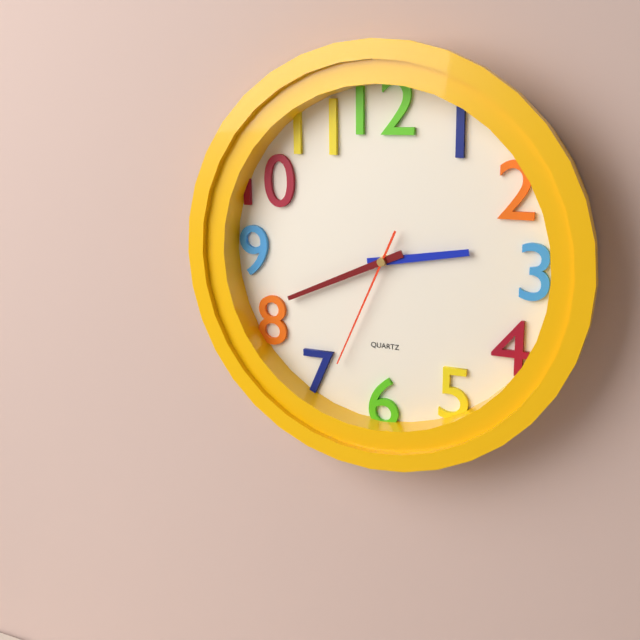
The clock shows **2:41:34**
